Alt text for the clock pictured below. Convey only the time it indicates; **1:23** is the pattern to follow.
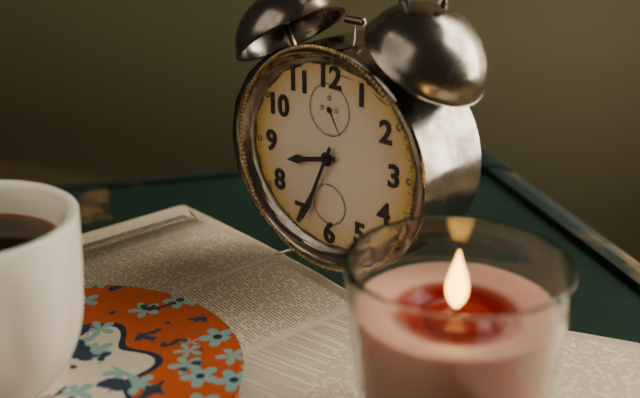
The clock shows **8:34**
